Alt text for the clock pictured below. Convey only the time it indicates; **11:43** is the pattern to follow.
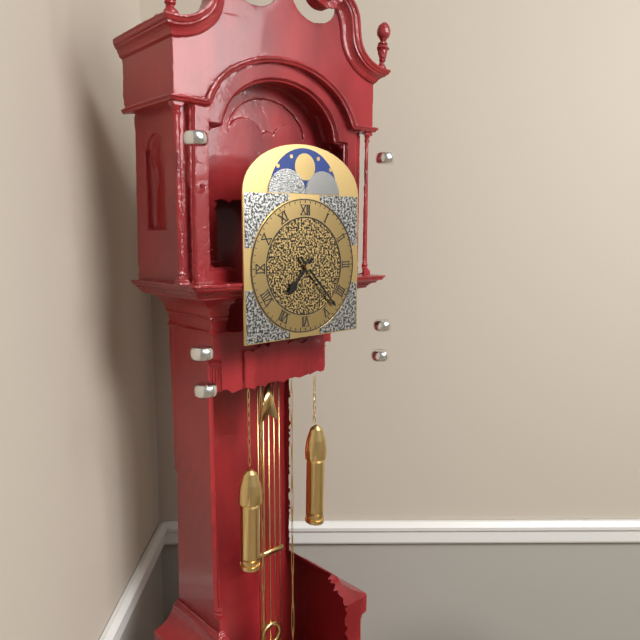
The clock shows **7:23**
